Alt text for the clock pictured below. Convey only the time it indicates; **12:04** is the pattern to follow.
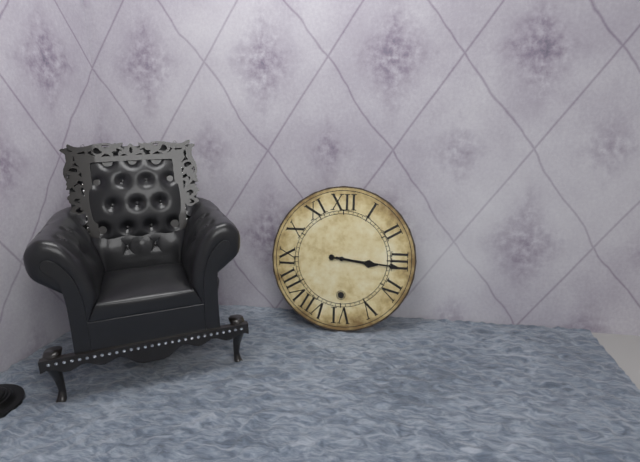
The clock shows **3:16**
